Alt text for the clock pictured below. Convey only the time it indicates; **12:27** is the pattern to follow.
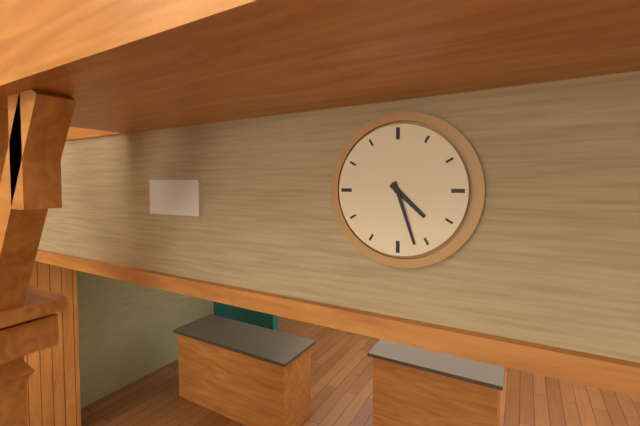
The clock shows **4:27**
